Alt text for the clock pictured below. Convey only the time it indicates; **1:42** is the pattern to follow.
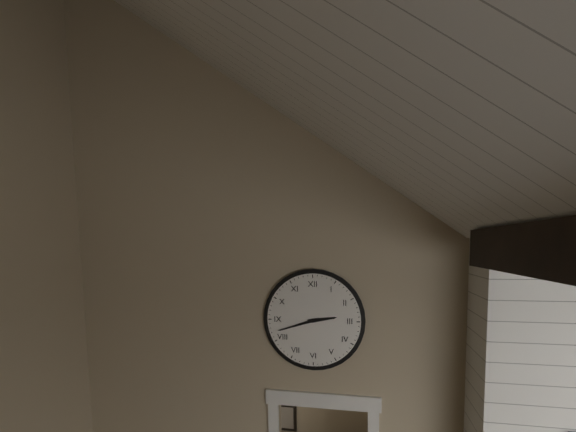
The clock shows **2:42**
